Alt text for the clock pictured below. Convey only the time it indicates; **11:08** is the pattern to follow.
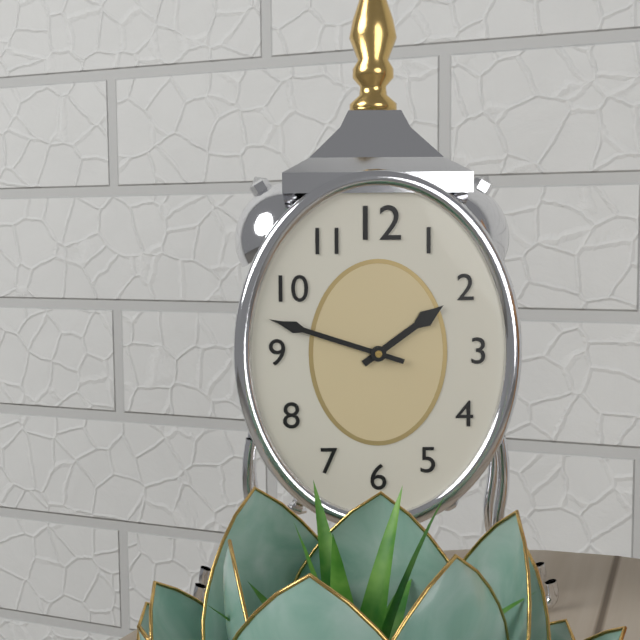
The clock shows **1:48**
